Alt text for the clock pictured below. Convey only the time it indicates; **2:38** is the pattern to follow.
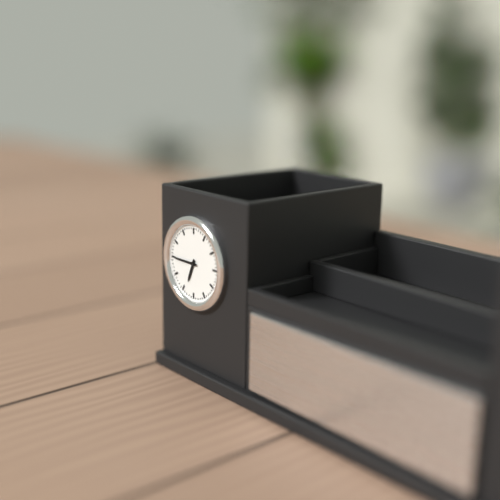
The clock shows **6:45**
